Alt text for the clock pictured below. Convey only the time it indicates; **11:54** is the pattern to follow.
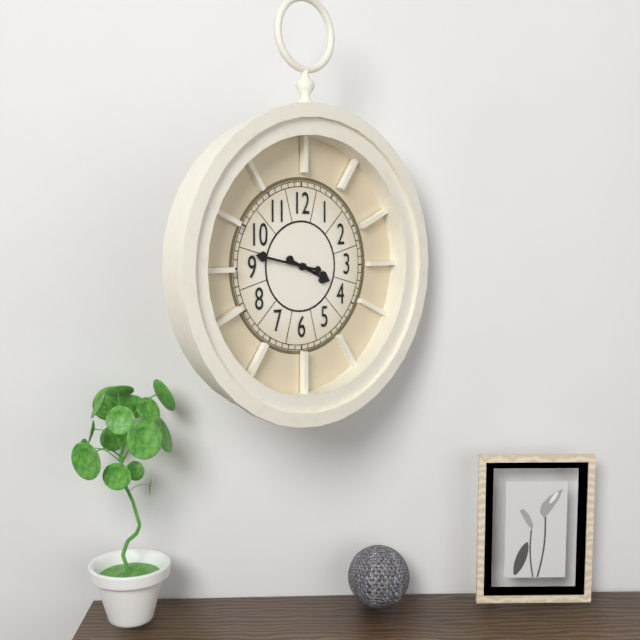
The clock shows **3:47**
